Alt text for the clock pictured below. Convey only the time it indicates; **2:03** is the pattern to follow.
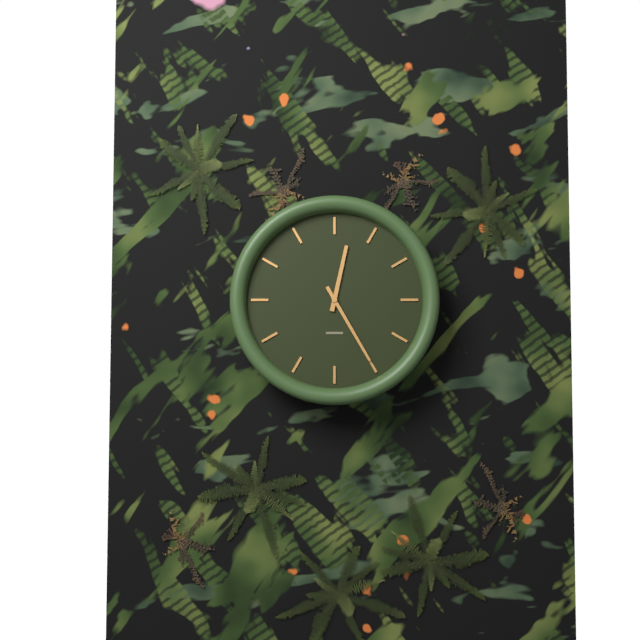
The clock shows **12:25**
